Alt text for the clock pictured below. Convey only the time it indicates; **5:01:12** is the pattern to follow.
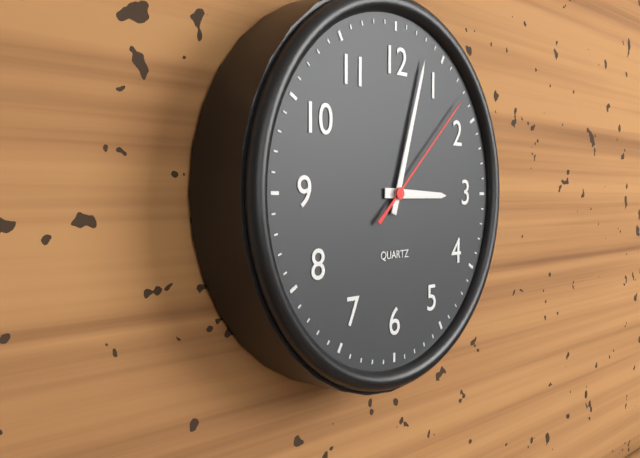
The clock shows **3:03:08**
